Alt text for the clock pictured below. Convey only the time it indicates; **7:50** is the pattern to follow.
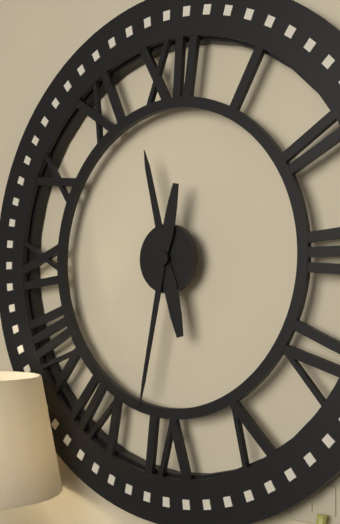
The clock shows **11:32**
